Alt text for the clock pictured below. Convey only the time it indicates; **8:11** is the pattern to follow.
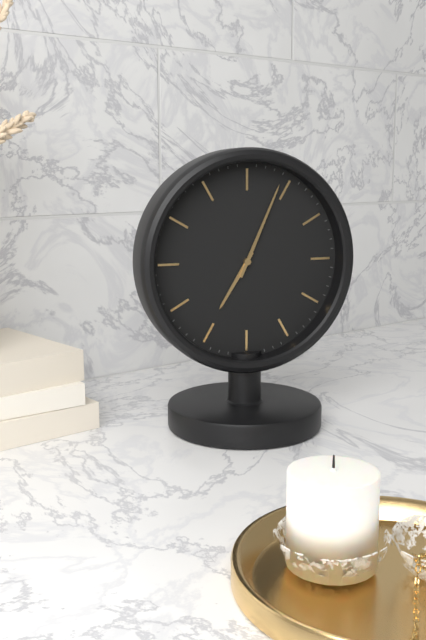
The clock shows **7:04**
